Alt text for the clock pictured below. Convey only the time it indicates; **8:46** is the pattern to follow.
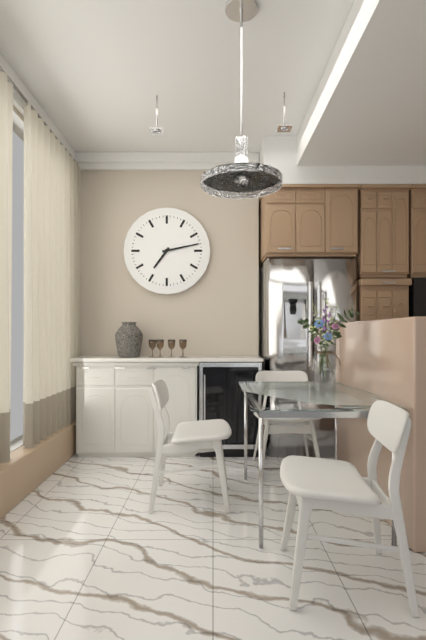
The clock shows **7:13**
